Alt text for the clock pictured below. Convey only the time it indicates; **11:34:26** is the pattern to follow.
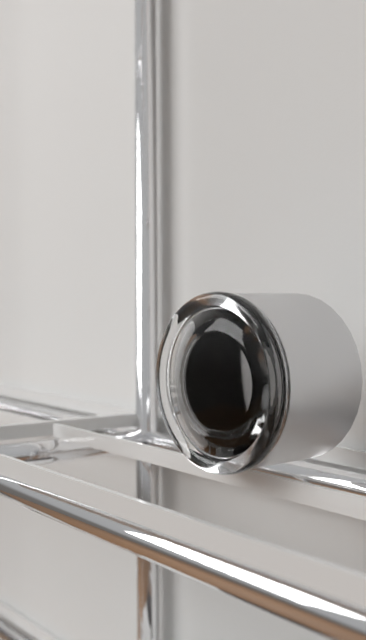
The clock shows **4:51:27**
